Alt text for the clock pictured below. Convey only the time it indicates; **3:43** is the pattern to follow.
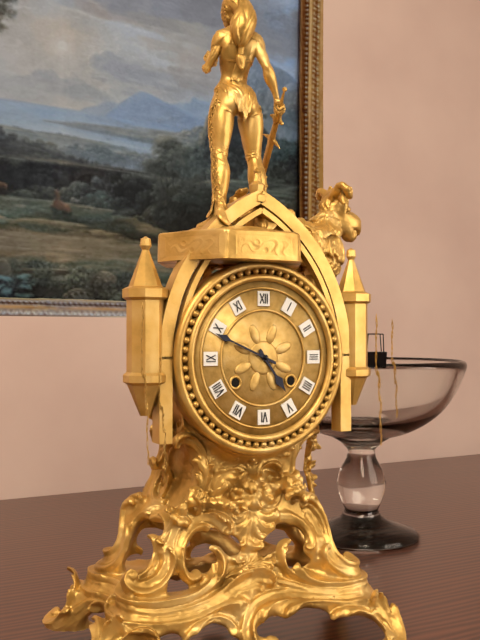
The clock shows **4:49**
